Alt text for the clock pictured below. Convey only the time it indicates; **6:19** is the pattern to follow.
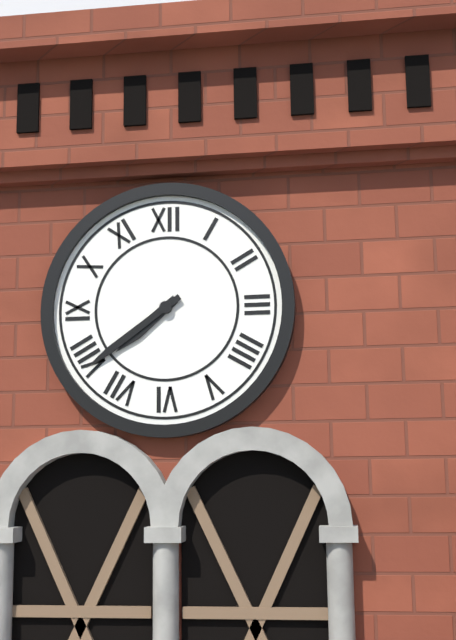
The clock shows **7:39**
